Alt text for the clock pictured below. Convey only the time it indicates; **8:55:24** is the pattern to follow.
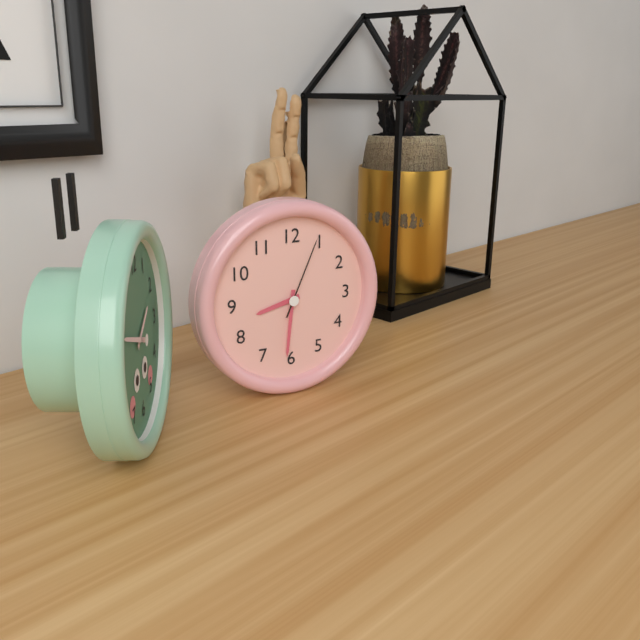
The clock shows **8:31:04**
